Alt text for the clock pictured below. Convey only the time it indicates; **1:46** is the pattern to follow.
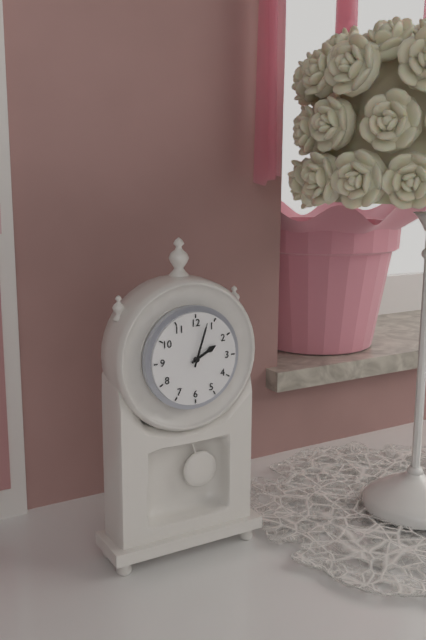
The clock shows **2:03**
